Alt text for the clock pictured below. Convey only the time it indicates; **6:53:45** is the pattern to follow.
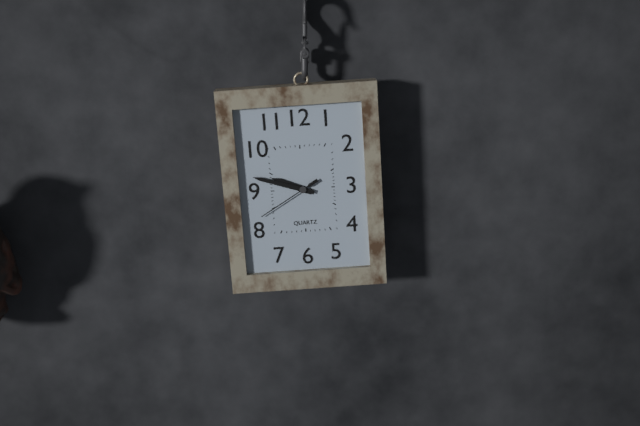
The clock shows **9:48:40**
